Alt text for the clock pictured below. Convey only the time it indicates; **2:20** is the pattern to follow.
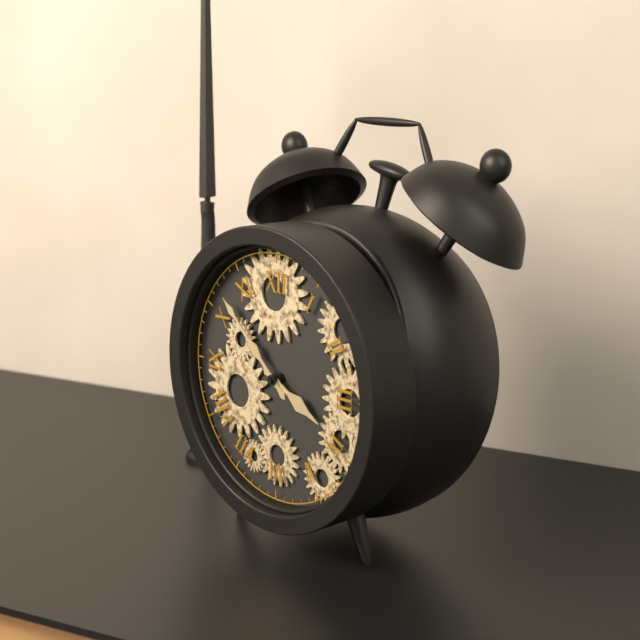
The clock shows **3:52**
